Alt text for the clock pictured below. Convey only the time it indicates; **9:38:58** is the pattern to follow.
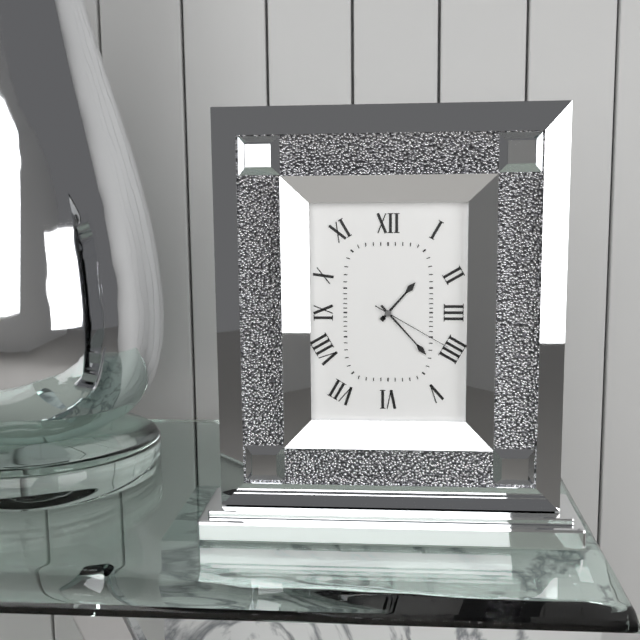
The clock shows **1:23:20**
